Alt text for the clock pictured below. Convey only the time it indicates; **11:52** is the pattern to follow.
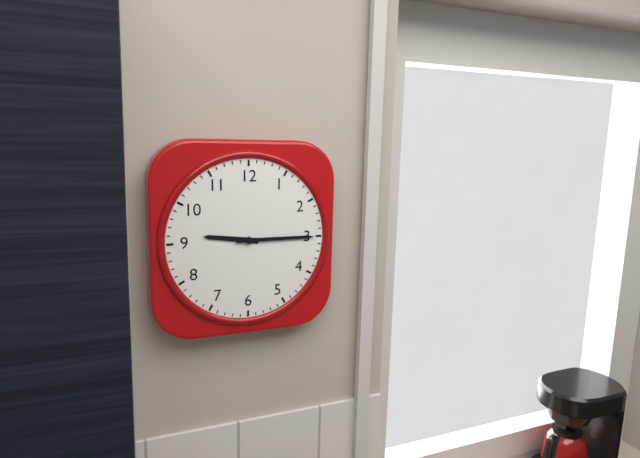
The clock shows **9:15**
